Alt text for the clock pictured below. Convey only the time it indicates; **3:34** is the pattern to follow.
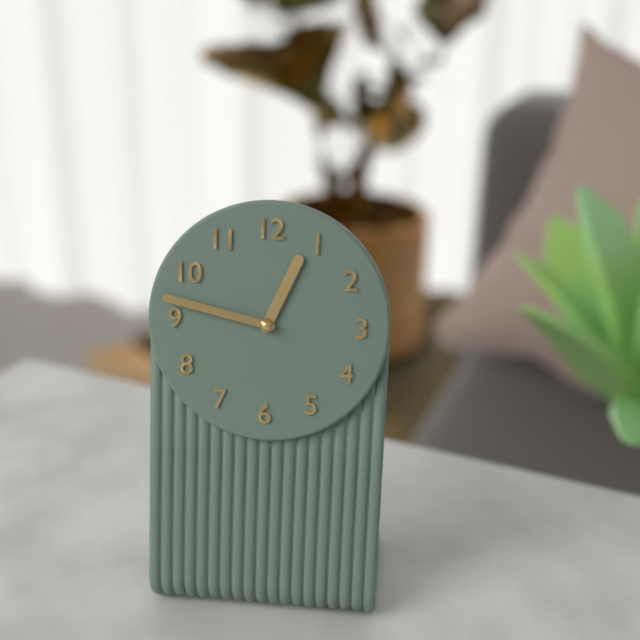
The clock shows **12:47**
